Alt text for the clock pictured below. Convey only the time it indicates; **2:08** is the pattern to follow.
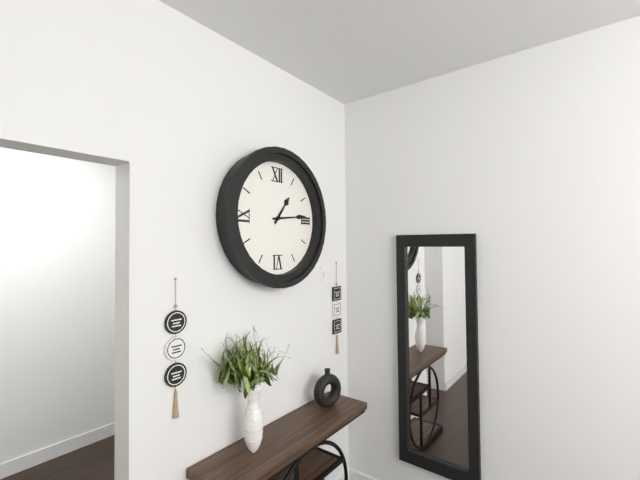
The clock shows **1:14**
